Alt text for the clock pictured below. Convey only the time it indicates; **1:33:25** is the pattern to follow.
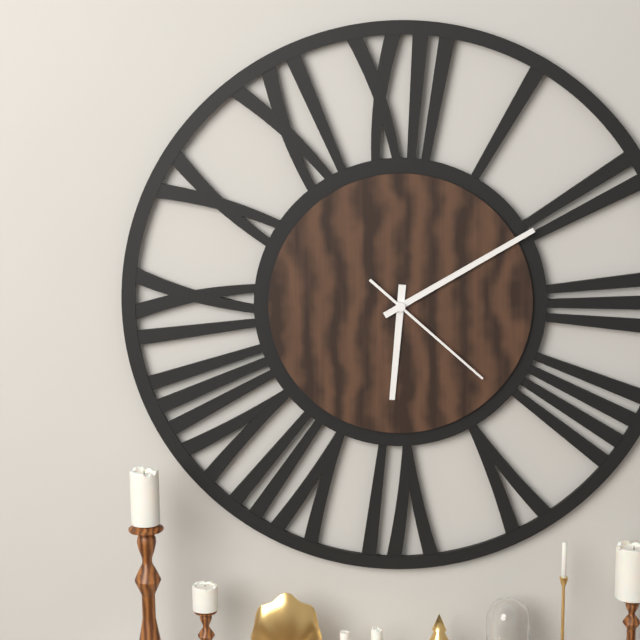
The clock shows **6:10:22**
